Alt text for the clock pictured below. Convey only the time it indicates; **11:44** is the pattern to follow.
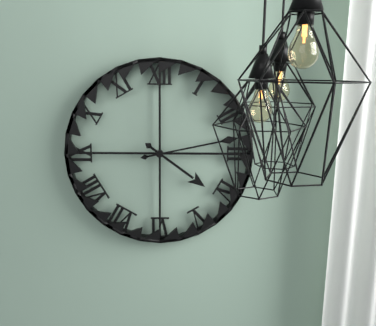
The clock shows **4:13**
